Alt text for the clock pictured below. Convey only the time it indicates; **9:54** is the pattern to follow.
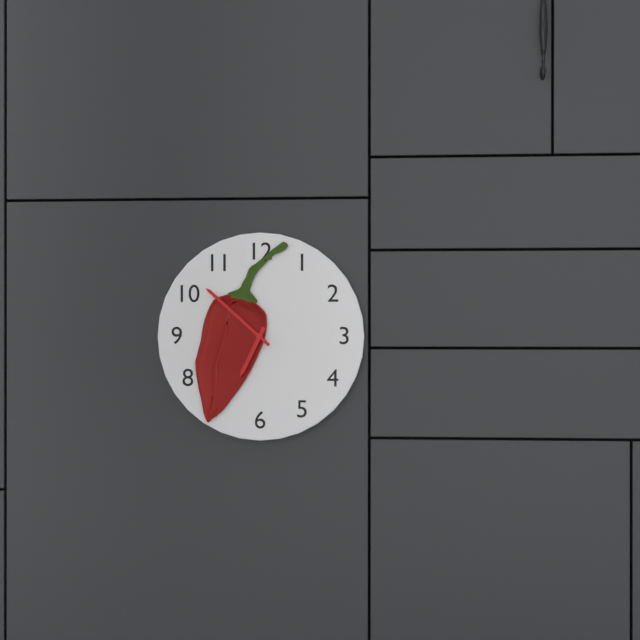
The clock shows **6:52**
